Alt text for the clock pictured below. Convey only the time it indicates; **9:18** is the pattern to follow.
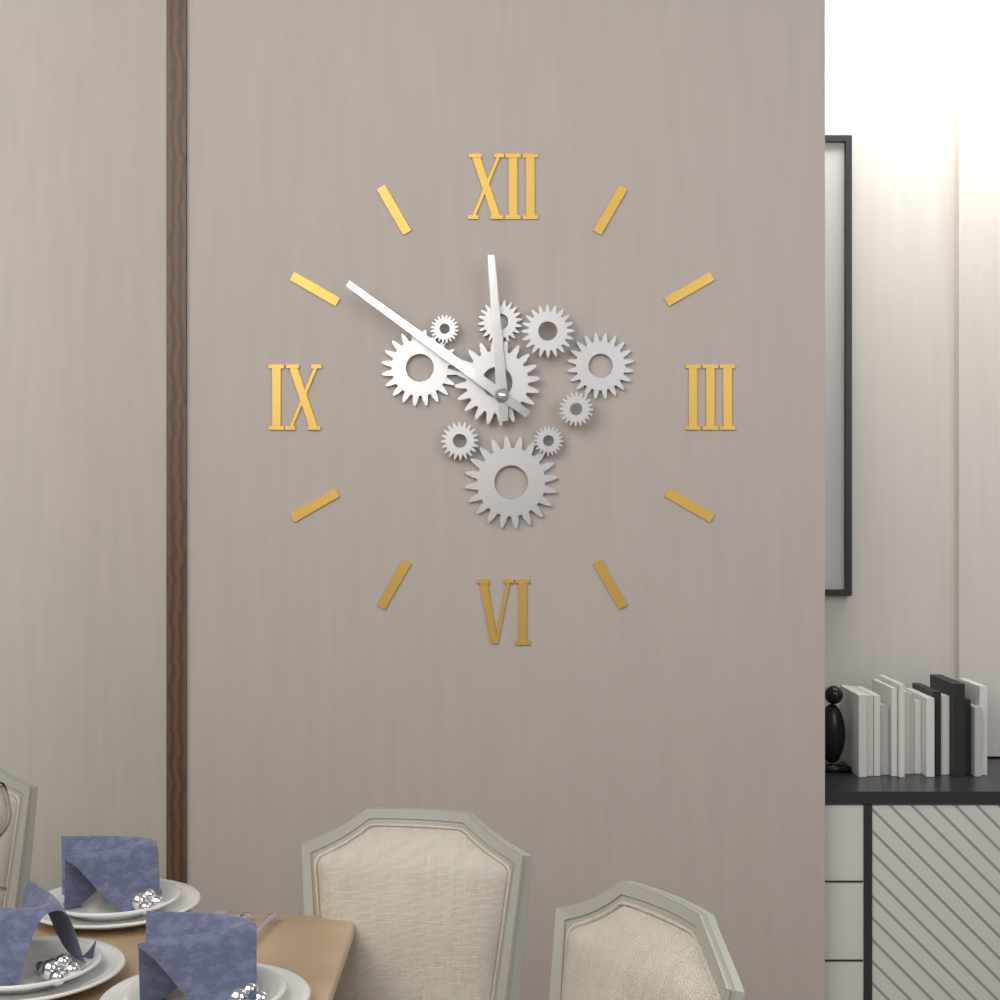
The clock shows **11:51**
